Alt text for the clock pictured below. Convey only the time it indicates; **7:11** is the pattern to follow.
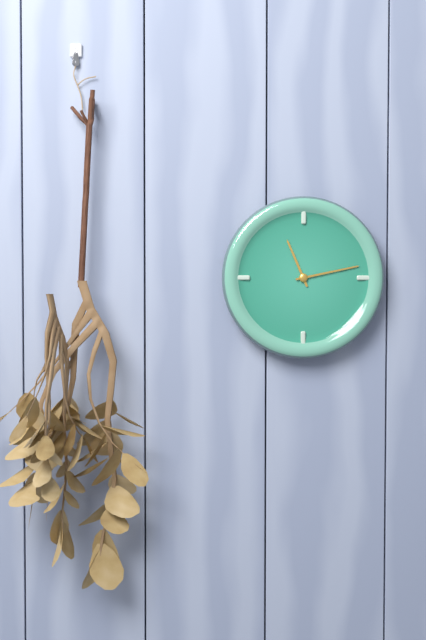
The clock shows **11:13**
